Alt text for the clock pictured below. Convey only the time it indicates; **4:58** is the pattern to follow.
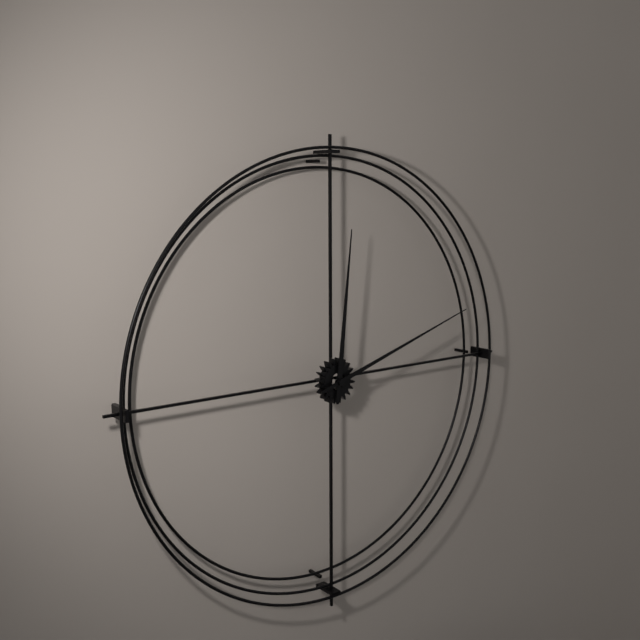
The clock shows **12:12**
